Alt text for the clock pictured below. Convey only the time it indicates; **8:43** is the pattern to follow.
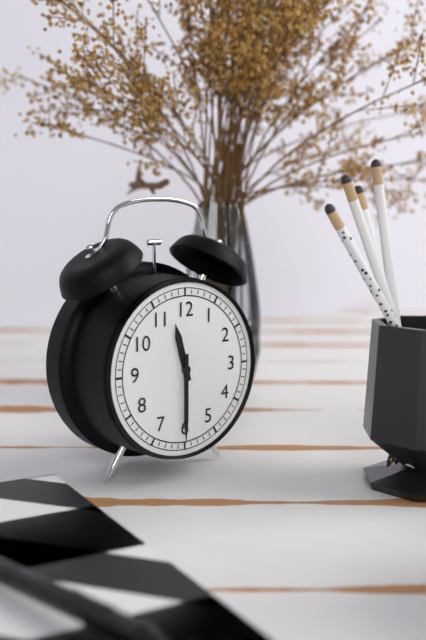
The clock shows **11:30**
